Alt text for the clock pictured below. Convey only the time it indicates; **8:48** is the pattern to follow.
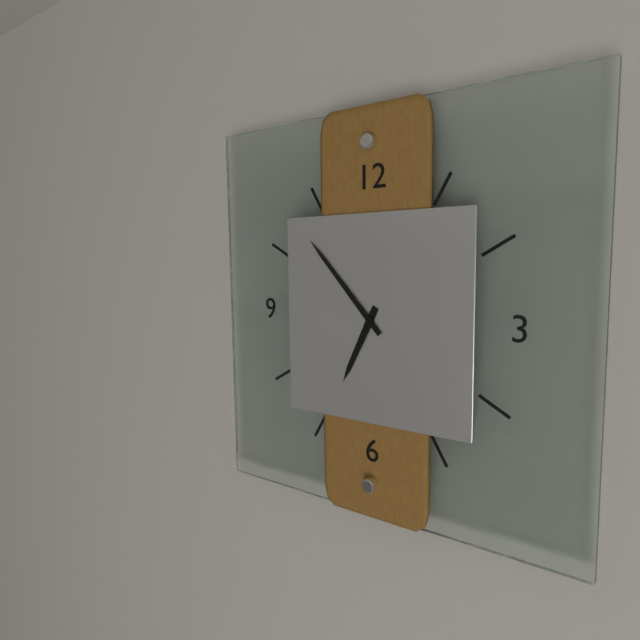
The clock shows **6:53**
